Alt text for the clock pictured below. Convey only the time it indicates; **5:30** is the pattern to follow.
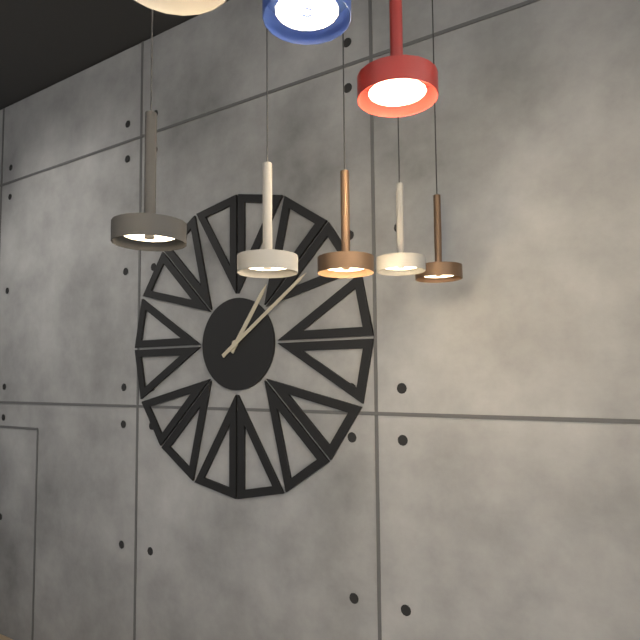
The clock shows **1:09**
